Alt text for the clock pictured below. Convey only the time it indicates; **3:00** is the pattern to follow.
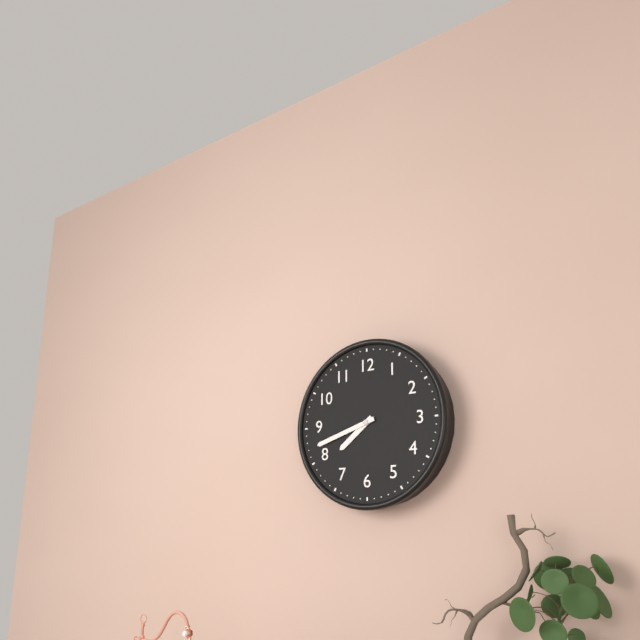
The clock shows **7:42**
